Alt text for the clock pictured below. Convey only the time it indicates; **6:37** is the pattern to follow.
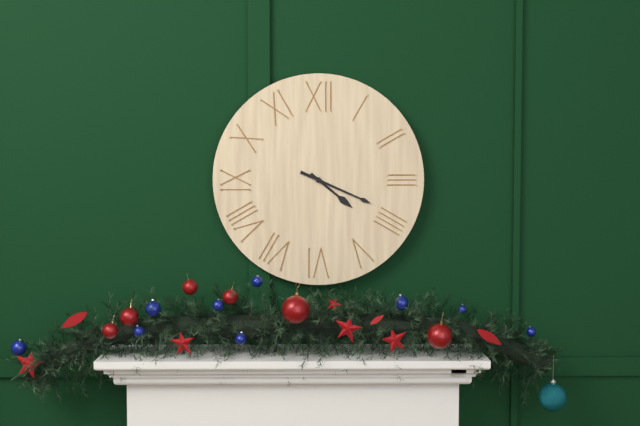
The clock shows **4:19**
